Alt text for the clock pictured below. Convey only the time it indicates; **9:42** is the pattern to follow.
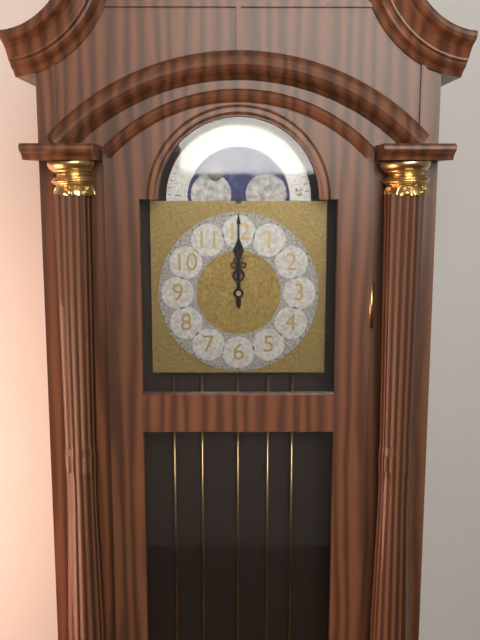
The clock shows **12:00**
